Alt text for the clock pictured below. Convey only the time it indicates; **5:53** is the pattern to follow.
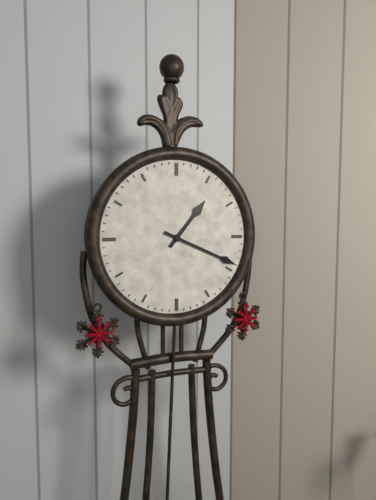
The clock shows **1:19**
